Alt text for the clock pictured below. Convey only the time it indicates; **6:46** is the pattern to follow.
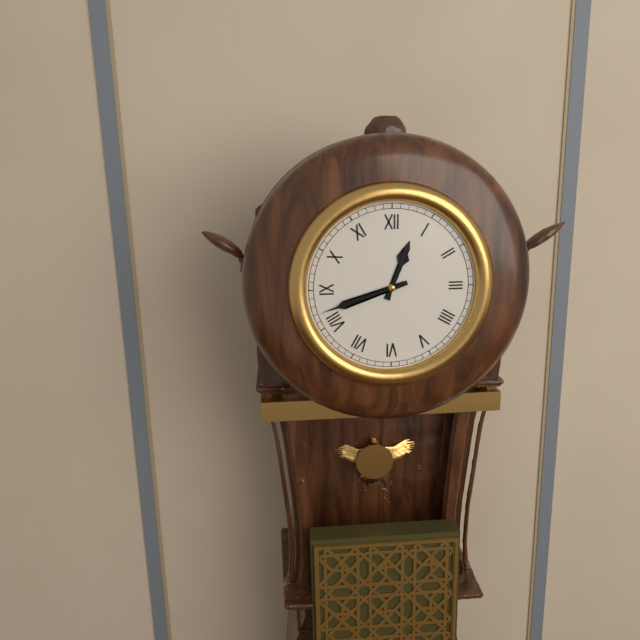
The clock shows **12:42**
